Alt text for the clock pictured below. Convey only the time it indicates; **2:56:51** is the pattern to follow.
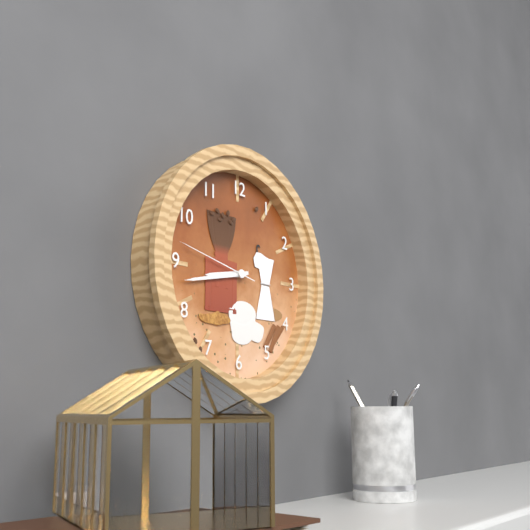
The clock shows **8:43:47**
